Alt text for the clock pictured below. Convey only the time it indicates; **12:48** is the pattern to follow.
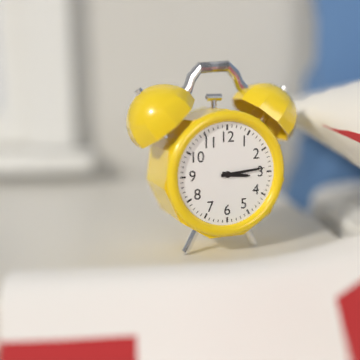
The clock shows **3:14**
